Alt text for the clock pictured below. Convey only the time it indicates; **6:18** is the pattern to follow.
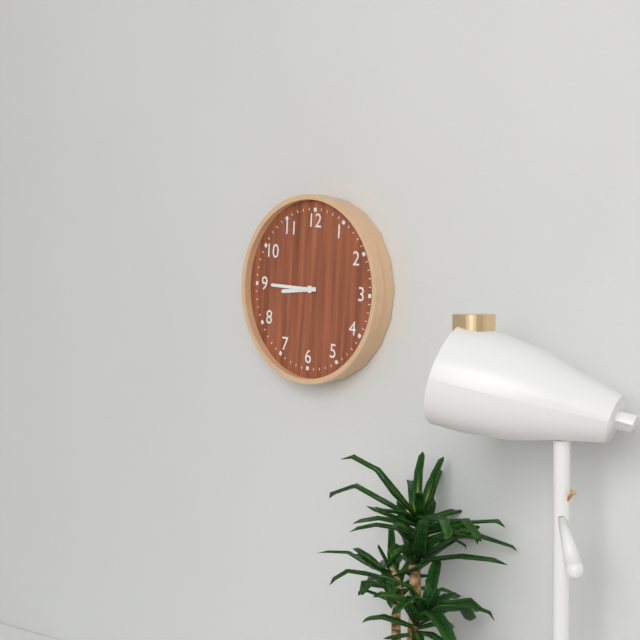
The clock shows **8:45**
